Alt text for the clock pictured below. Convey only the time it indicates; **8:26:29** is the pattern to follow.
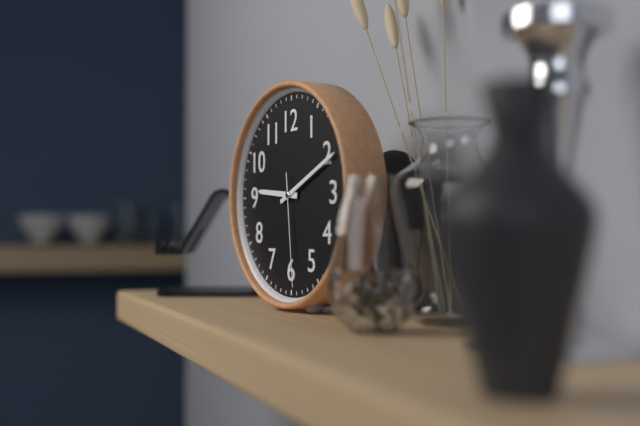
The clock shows **9:11:29**
